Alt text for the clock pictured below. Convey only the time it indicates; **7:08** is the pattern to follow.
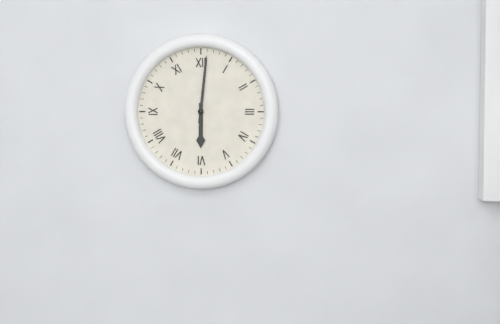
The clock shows **6:01**
